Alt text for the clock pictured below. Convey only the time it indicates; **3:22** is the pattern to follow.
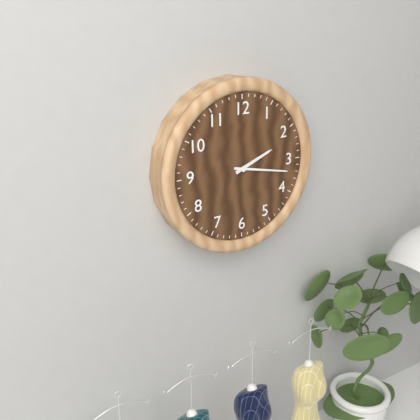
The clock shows **2:17**
